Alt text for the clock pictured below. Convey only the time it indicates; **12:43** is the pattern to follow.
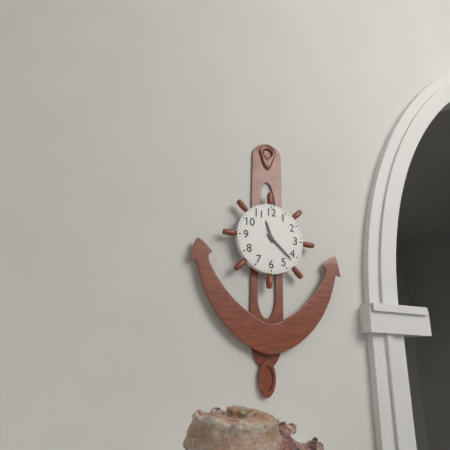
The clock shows **11:22**
